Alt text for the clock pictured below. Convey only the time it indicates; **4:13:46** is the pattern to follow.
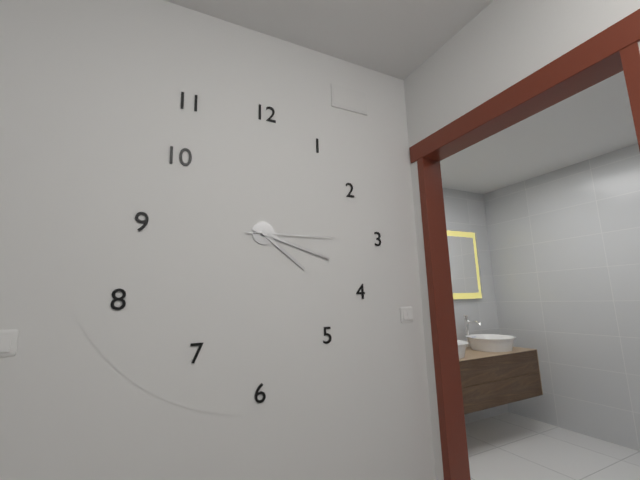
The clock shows **4:18:15**
